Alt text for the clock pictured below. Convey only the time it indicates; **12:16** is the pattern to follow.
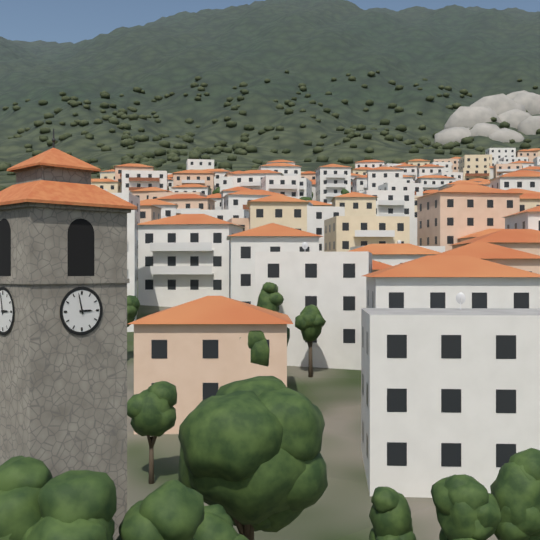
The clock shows **2:58**
